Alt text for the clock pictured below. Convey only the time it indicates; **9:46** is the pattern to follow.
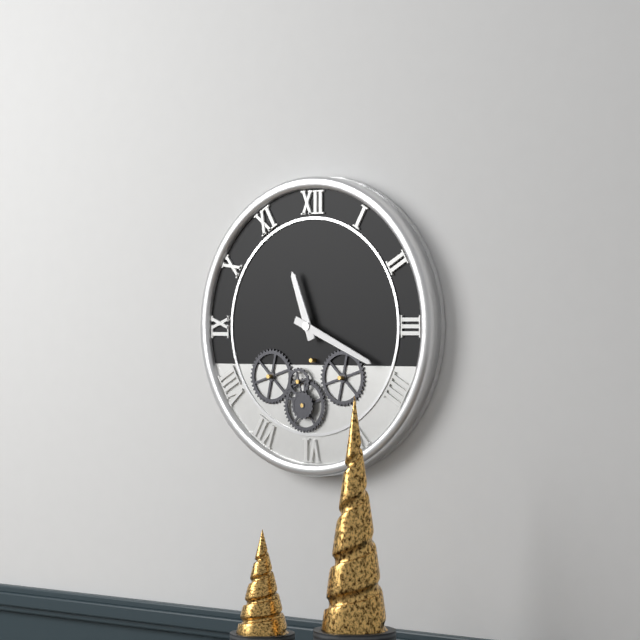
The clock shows **11:19**
